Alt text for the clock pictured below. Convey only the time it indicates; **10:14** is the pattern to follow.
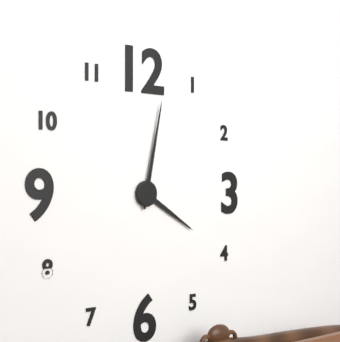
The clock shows **4:02**
